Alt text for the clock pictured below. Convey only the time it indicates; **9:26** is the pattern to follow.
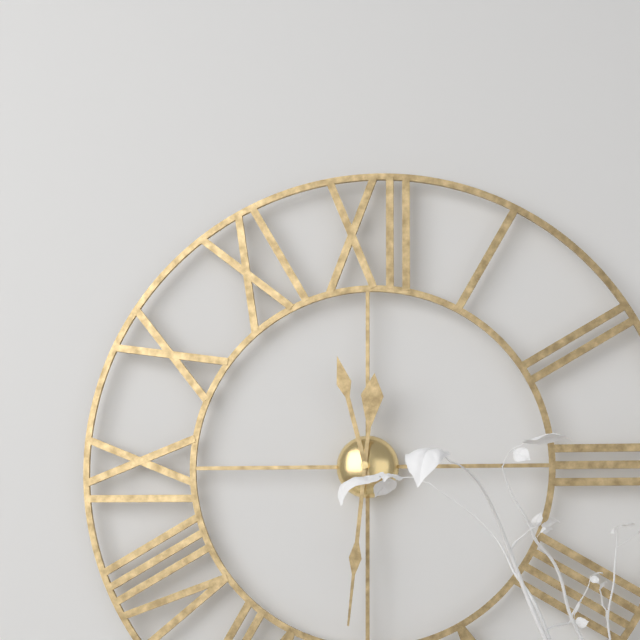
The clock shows **11:31**
